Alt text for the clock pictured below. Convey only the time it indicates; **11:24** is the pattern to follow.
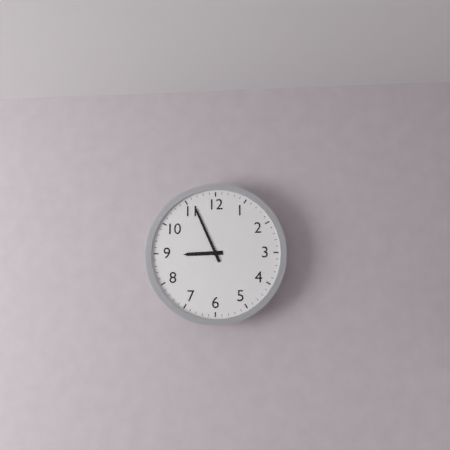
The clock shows **8:56**
